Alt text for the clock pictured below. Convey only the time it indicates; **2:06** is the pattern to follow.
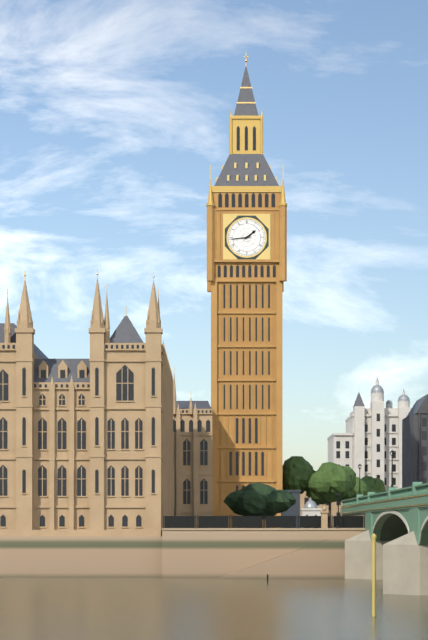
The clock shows **1:44**
